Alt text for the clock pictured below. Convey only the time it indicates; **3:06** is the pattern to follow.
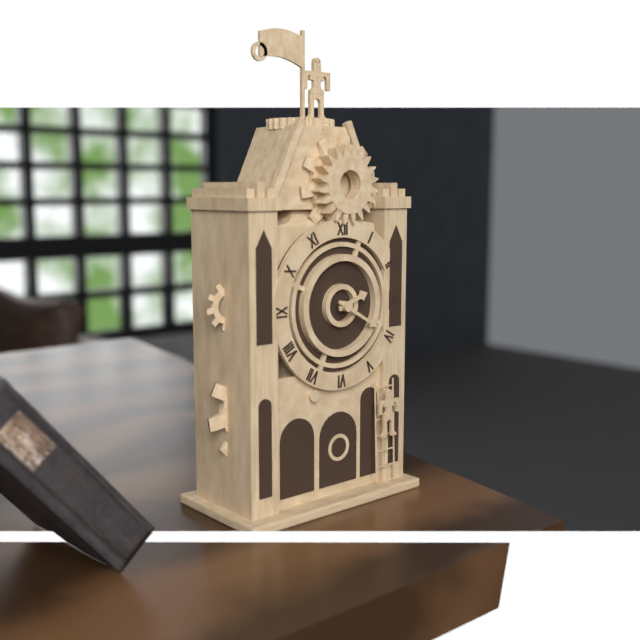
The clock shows **2:20**
